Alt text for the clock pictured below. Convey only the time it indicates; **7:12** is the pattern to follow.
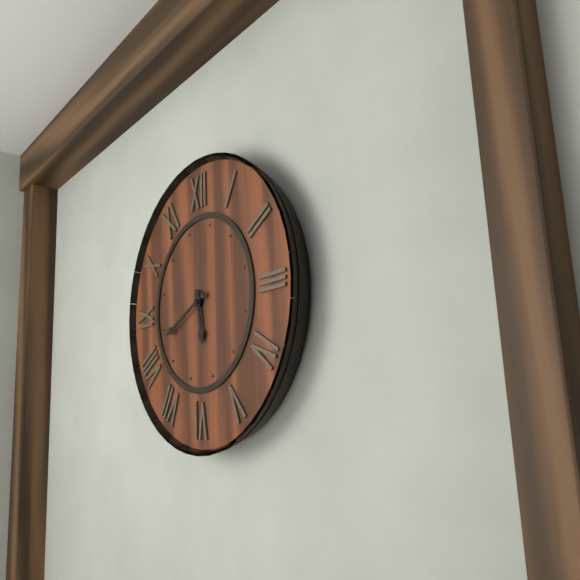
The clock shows **5:41**
